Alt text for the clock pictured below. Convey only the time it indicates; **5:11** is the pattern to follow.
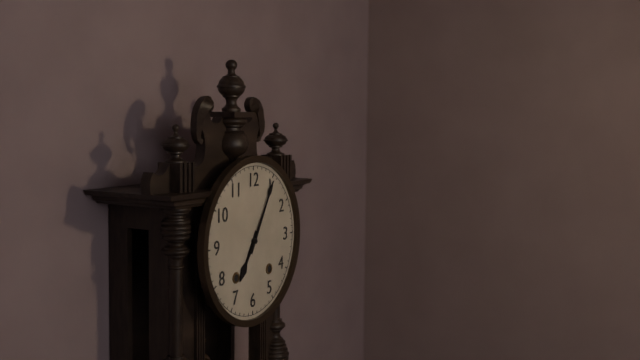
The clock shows **7:05**
